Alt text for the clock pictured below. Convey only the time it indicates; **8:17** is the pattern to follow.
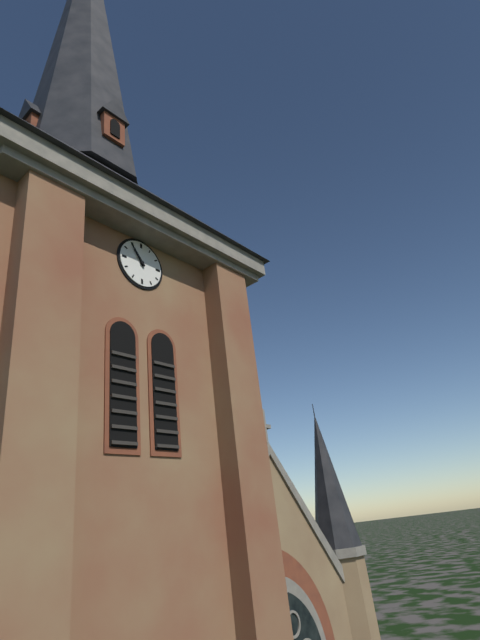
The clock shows **10:54**
